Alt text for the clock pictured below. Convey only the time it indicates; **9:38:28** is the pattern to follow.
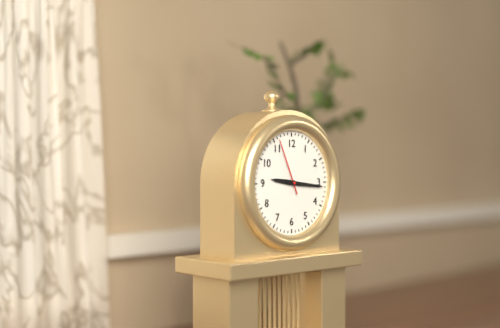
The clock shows **9:16:56**
